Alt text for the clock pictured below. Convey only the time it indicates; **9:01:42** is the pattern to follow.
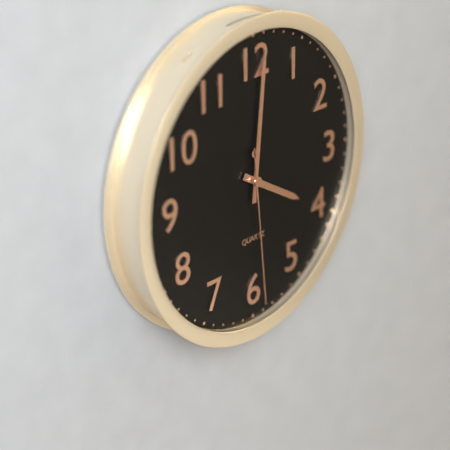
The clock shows **4:01:29**
